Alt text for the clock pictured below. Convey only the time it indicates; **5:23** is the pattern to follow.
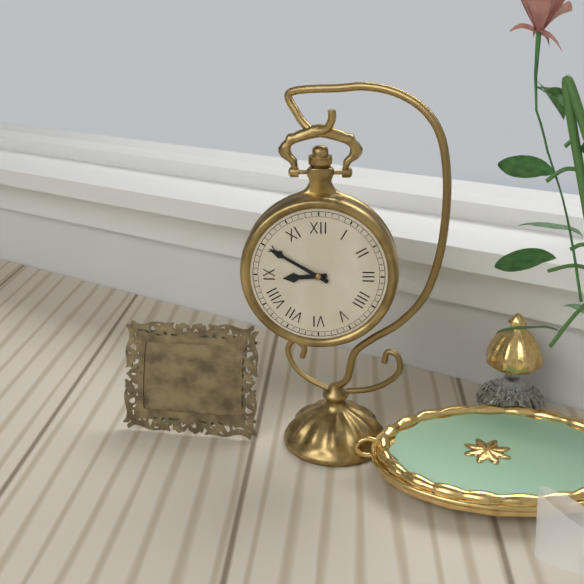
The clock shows **8:50**
